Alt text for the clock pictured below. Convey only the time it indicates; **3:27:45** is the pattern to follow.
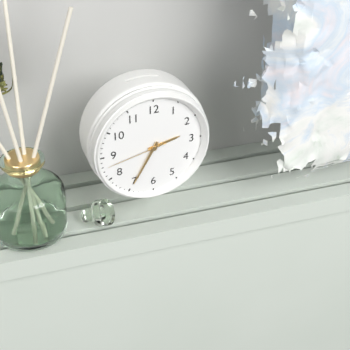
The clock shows **2:35:43**
